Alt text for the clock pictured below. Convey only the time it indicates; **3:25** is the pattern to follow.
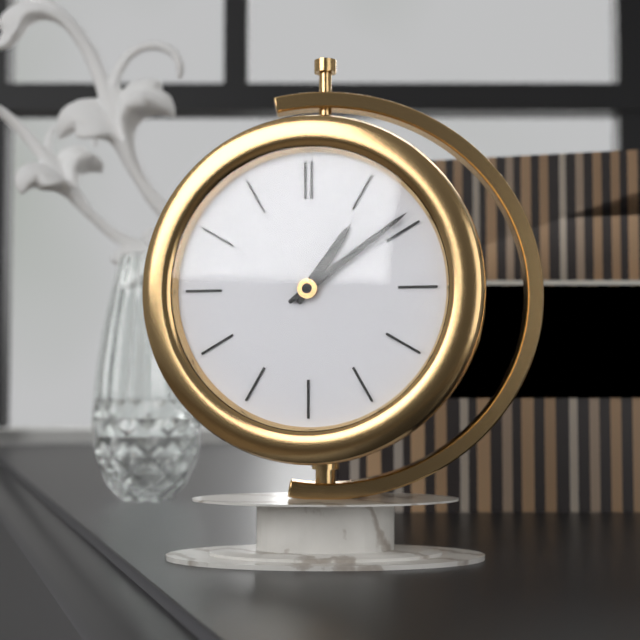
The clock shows **1:09**
